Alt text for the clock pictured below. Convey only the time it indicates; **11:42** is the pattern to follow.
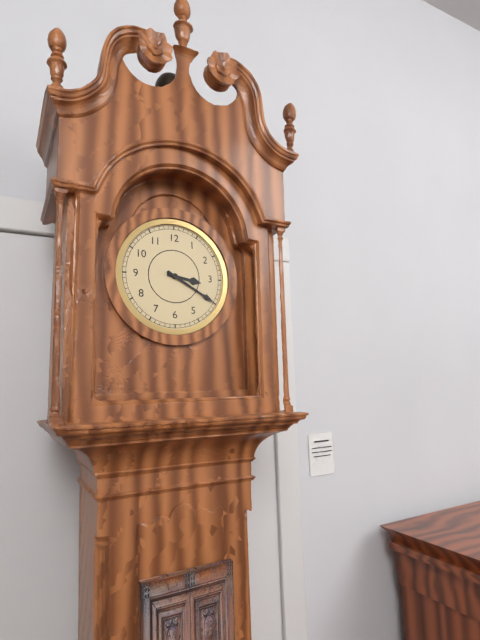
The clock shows **3:20**
